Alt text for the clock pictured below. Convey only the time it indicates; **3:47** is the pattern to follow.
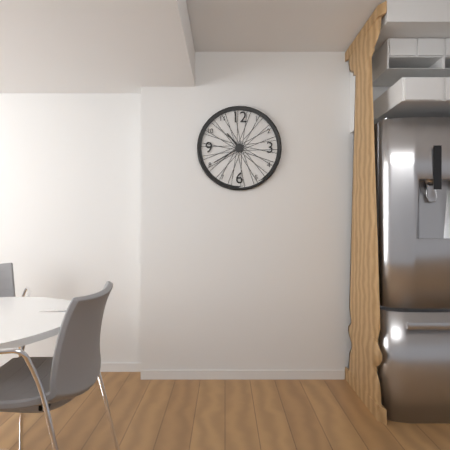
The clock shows **10:40**
